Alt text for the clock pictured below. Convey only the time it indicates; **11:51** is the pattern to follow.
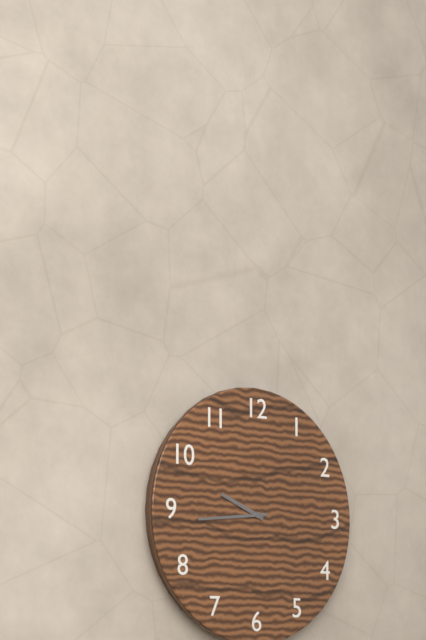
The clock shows **9:44**
